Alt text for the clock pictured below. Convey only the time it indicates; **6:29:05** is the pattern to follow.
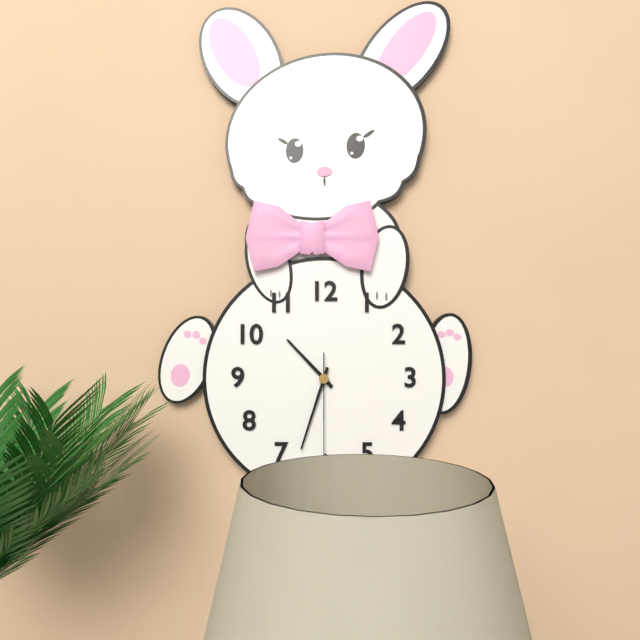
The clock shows **10:33:30**
